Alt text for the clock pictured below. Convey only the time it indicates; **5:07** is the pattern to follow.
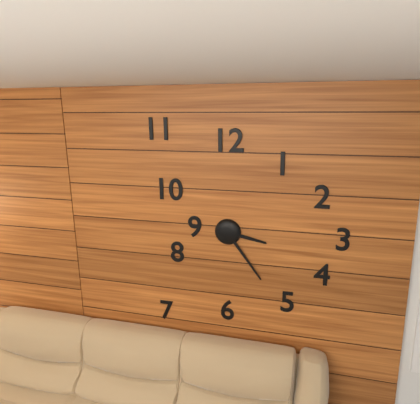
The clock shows **3:24**
